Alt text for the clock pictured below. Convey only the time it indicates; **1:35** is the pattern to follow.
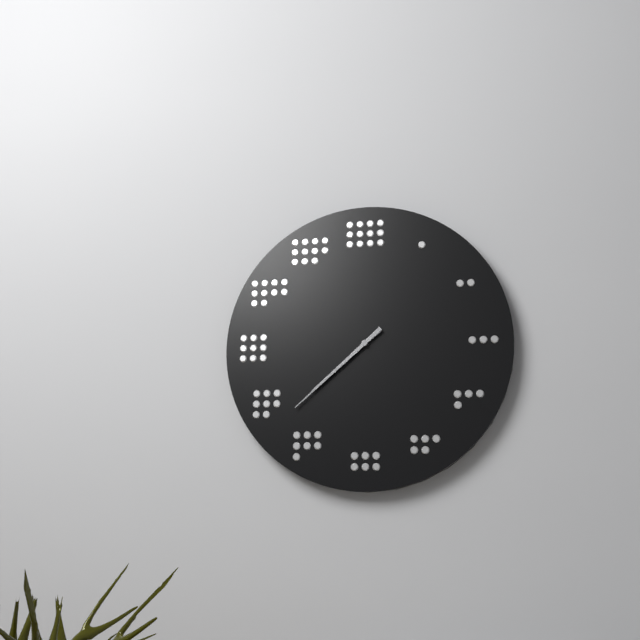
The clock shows **7:38**
